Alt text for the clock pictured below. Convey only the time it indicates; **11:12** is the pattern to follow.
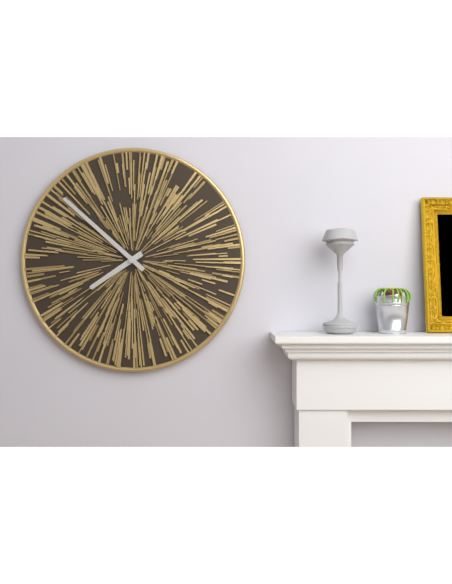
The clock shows **7:52**
